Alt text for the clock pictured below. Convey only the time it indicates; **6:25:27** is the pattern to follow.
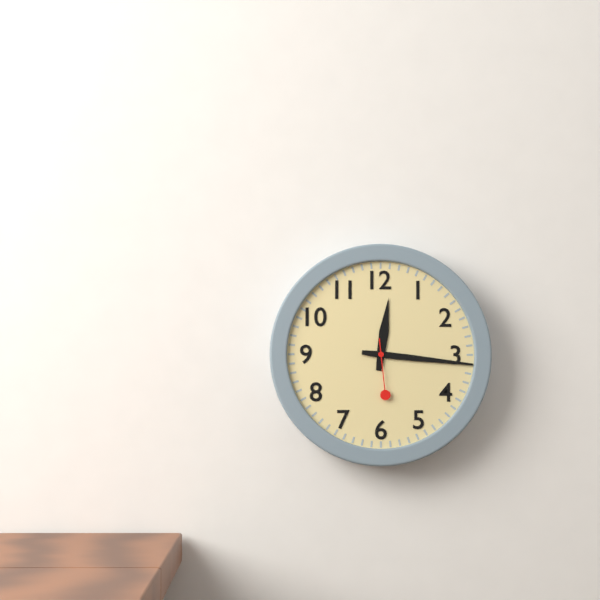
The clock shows **12:16:29**
